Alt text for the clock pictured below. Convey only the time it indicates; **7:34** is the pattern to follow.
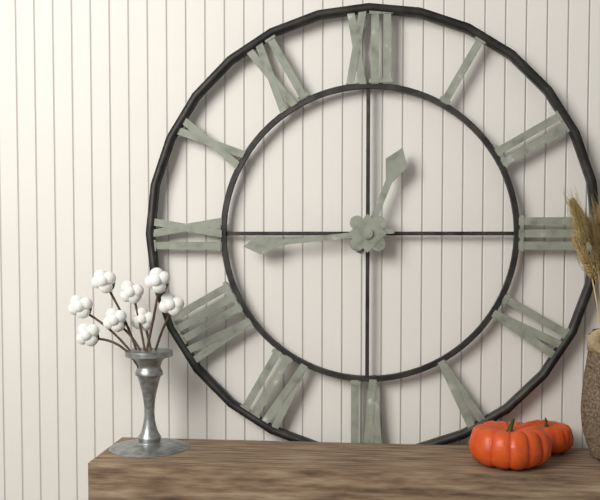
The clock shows **12:44**
